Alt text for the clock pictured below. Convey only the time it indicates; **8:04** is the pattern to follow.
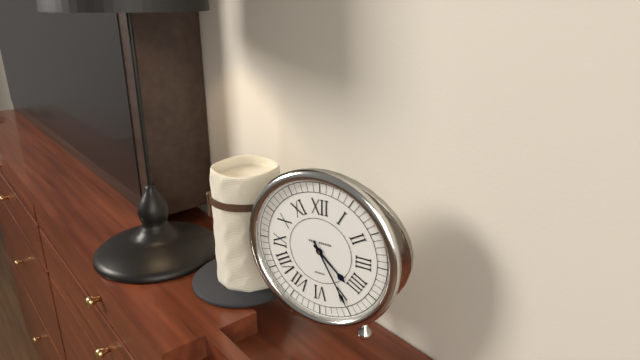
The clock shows **4:25**
